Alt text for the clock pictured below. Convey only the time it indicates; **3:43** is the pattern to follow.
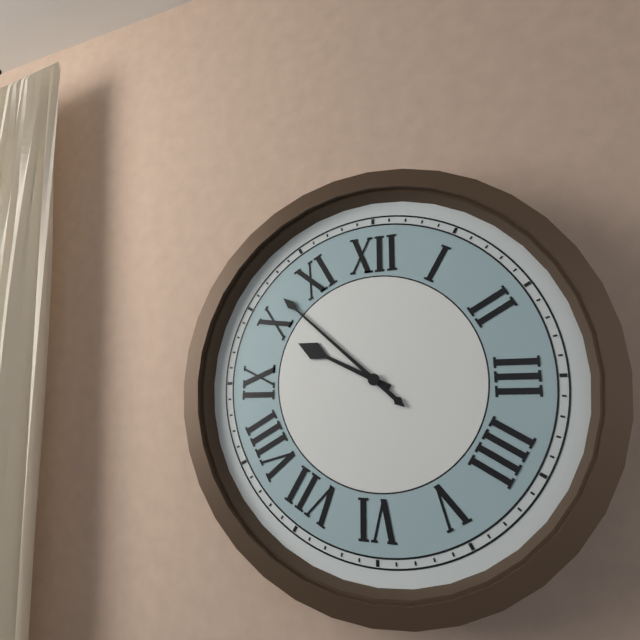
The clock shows **9:52**
